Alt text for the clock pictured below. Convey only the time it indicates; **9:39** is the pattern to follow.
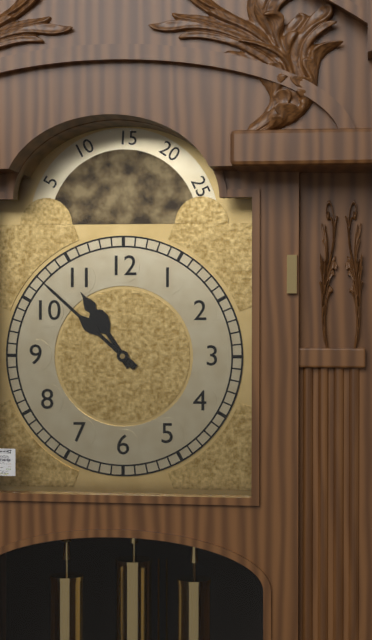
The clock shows **10:52**
